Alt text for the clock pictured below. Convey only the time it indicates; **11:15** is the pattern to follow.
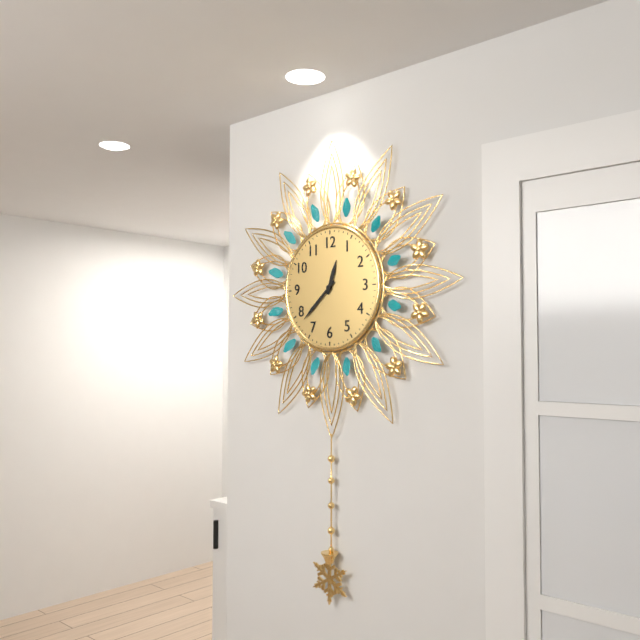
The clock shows **12:38**
